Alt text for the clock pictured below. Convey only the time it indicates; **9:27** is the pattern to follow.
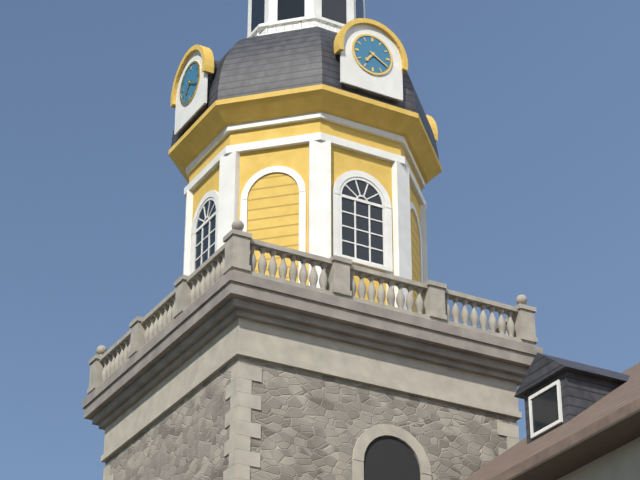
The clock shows **7:20**
